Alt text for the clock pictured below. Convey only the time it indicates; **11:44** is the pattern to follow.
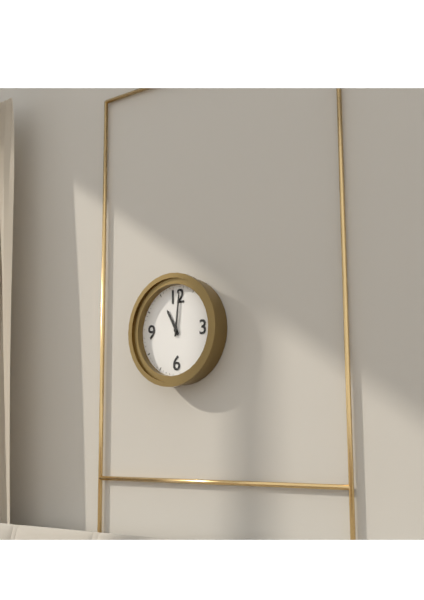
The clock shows **11:01**
